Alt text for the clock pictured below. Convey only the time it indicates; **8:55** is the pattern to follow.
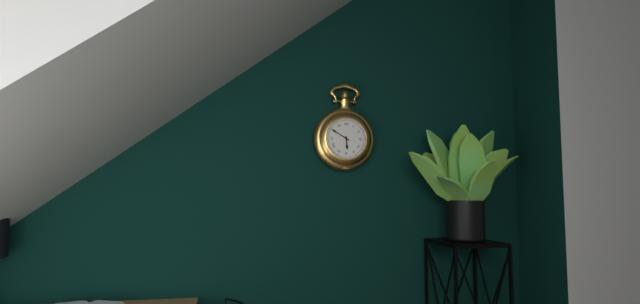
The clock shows **5:50**
